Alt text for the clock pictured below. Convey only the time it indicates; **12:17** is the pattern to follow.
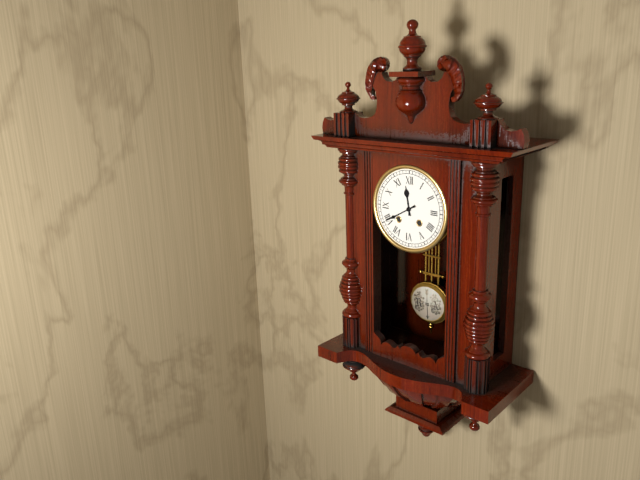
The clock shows **11:40**
